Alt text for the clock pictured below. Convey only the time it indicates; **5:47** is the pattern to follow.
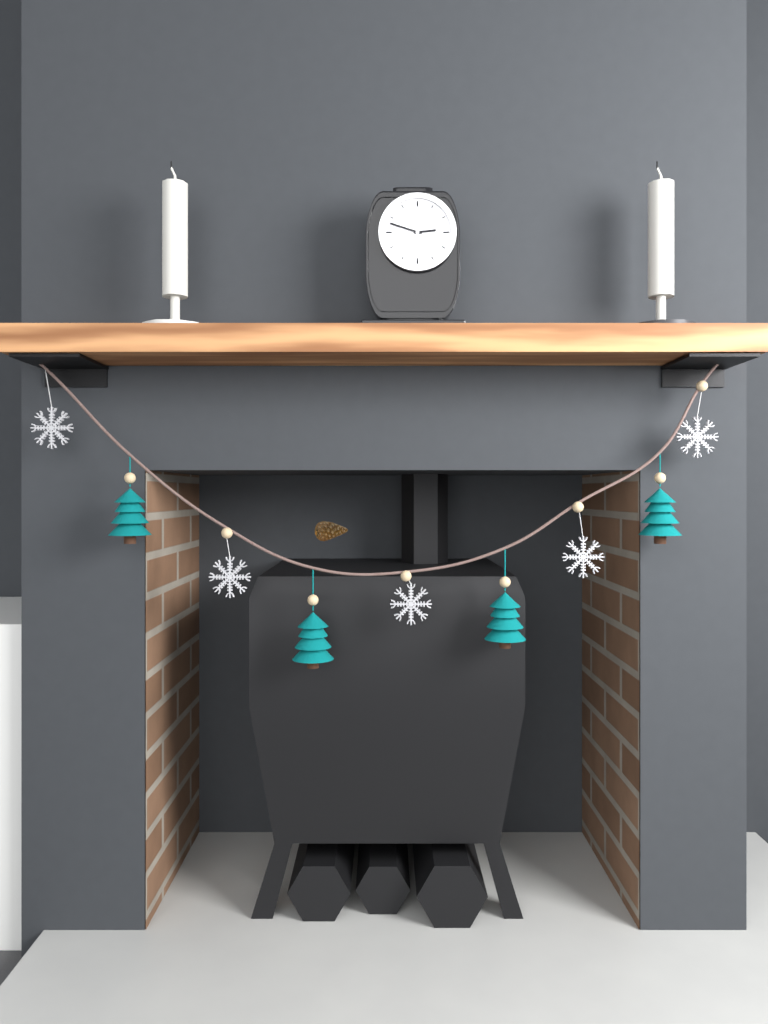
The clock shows **2:48**
